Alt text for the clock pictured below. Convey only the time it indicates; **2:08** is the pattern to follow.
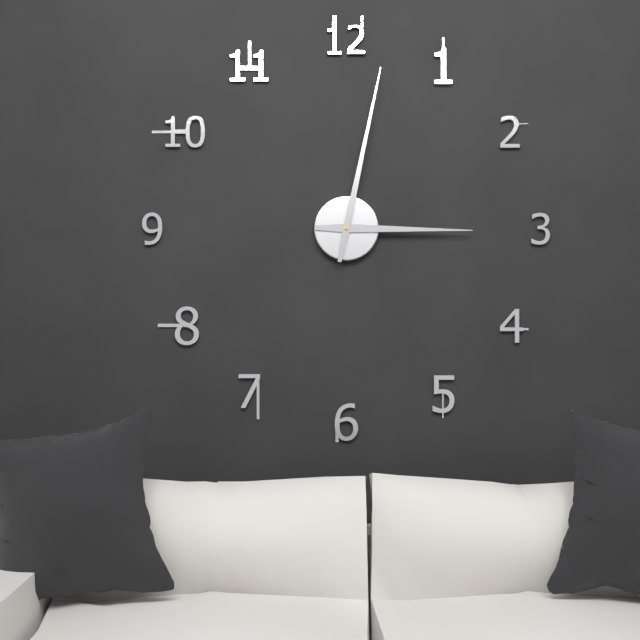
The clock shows **3:02**
